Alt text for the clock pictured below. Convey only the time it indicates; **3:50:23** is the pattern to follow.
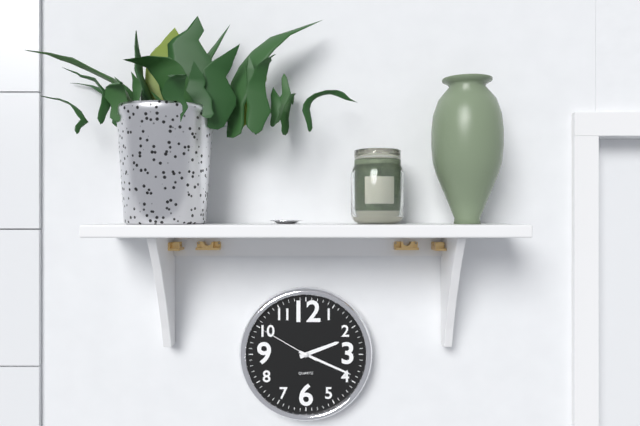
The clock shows **2:19:50**
